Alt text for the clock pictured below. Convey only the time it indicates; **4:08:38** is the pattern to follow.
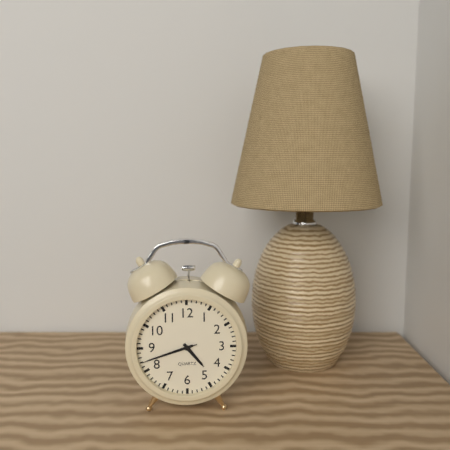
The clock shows **4:42:42**
